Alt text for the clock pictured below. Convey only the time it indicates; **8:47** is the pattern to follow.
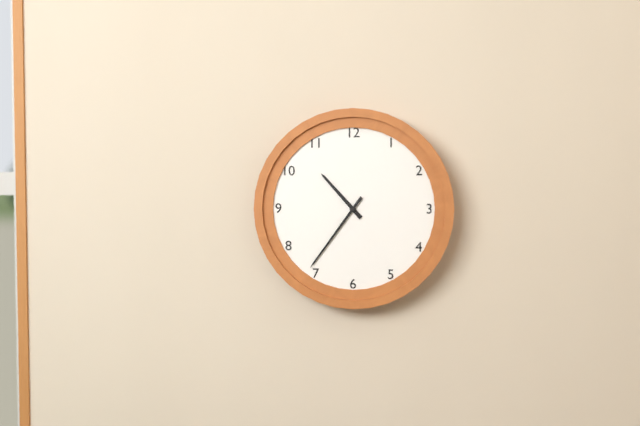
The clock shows **10:36**
